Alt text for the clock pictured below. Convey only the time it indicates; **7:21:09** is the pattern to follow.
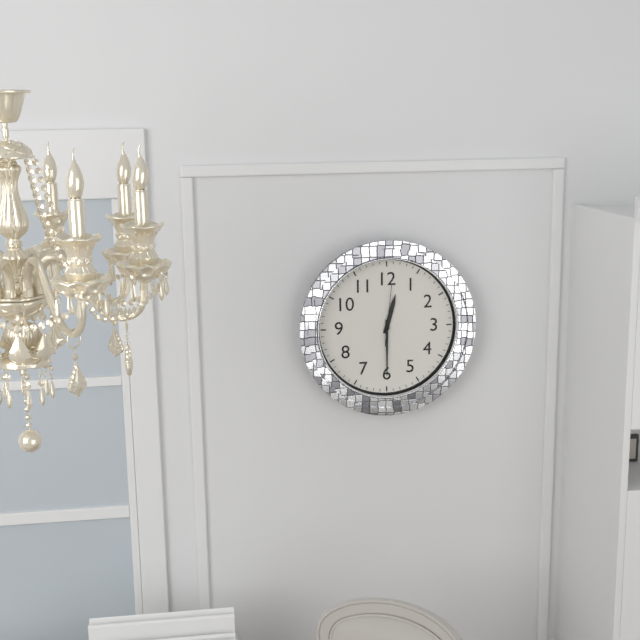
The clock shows **12:30:01**
